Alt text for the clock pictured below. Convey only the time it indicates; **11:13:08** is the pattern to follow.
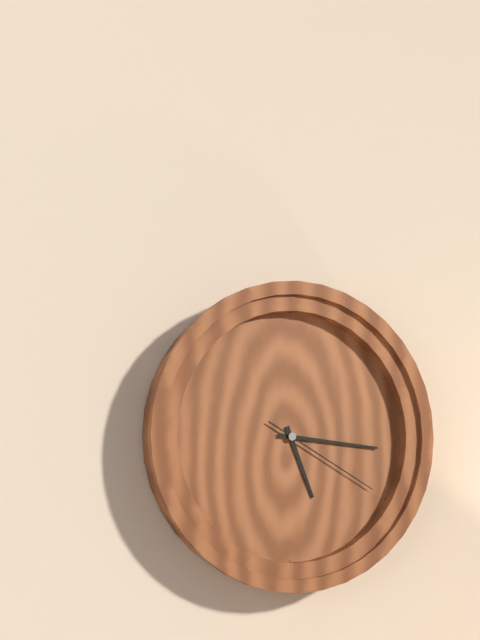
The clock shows **5:16:20**
